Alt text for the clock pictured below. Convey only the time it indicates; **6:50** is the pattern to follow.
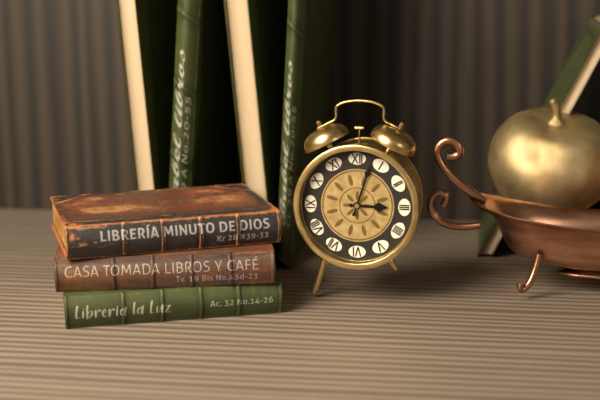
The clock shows **3:03**
